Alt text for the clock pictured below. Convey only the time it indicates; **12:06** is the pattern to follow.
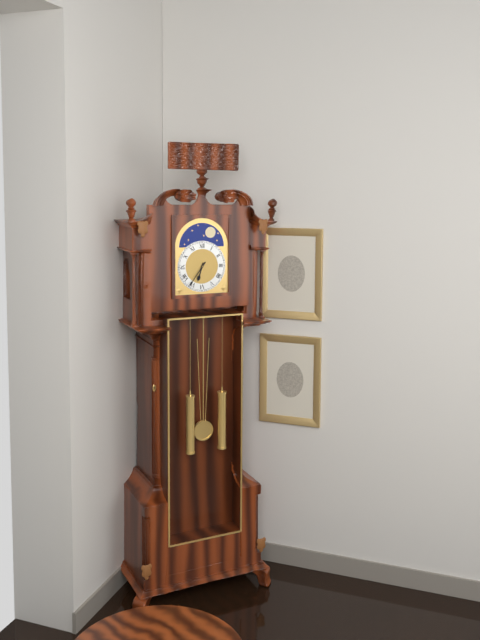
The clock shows **6:36**
